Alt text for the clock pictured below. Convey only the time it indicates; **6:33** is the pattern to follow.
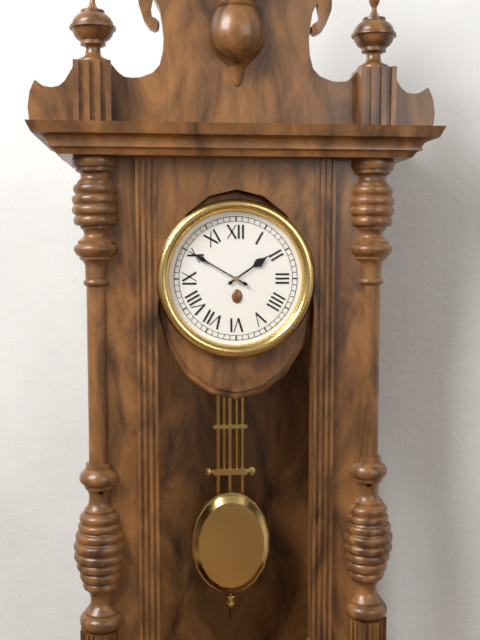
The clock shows **1:50**
